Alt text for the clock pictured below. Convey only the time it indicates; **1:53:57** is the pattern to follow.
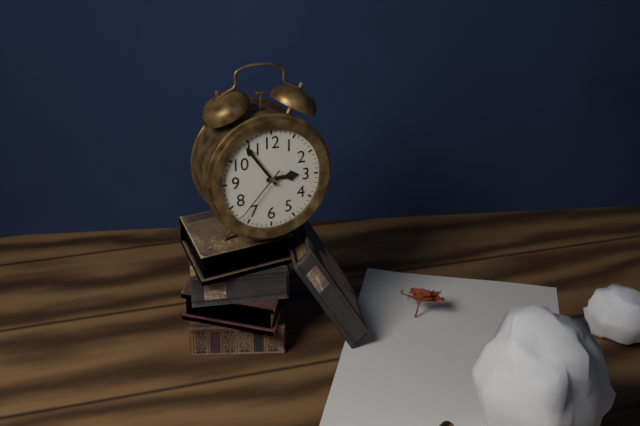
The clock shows **2:54:37**
